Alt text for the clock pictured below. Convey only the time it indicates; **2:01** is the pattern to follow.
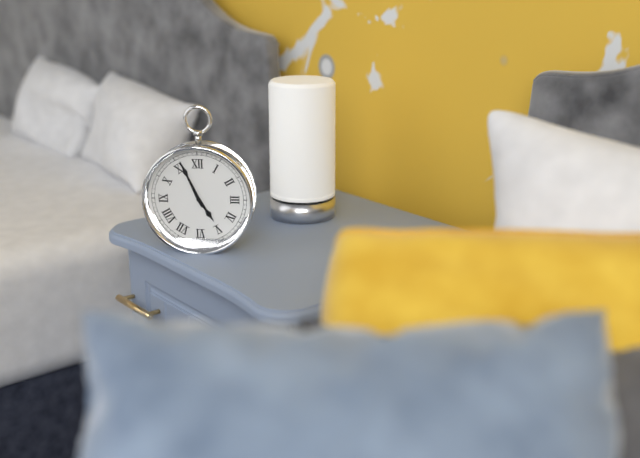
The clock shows **4:56**
